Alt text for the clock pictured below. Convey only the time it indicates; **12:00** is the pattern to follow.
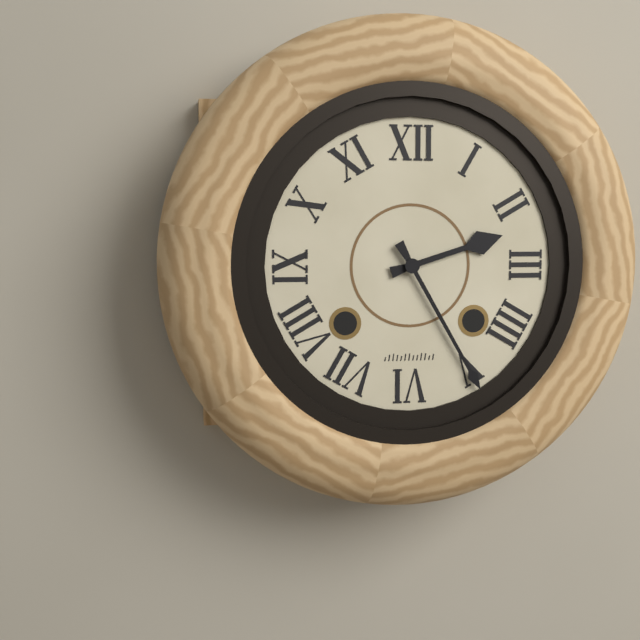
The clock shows **2:25**
